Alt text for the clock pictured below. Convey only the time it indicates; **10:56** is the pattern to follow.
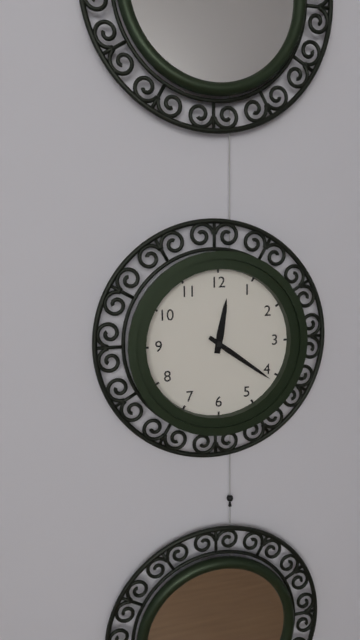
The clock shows **12:21**
